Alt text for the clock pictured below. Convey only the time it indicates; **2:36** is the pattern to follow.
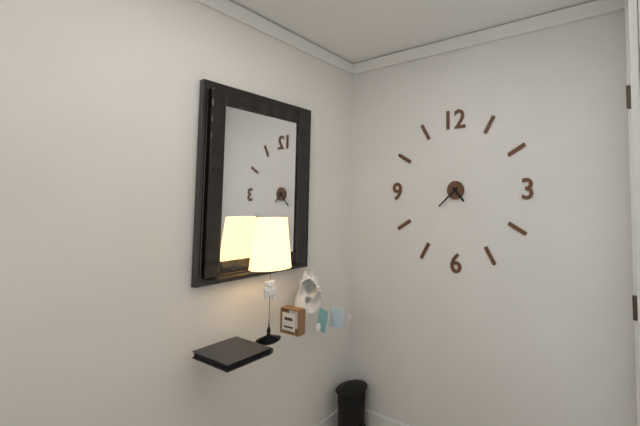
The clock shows **4:38**
